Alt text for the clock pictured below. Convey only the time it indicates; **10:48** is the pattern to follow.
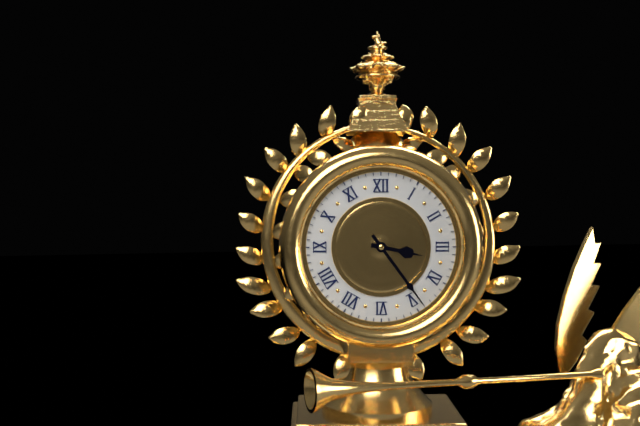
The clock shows **3:24**
